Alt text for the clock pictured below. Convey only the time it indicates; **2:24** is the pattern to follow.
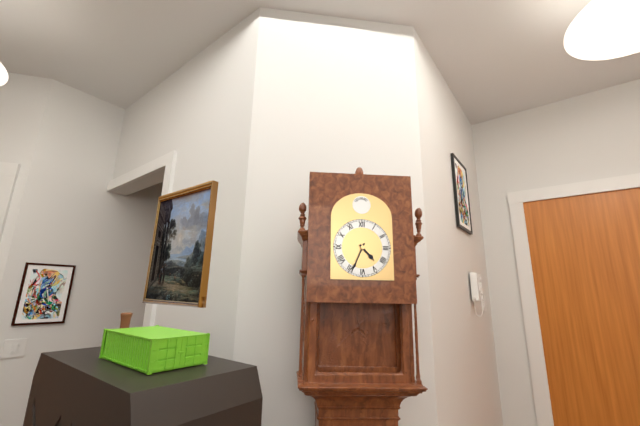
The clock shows **4:34**
